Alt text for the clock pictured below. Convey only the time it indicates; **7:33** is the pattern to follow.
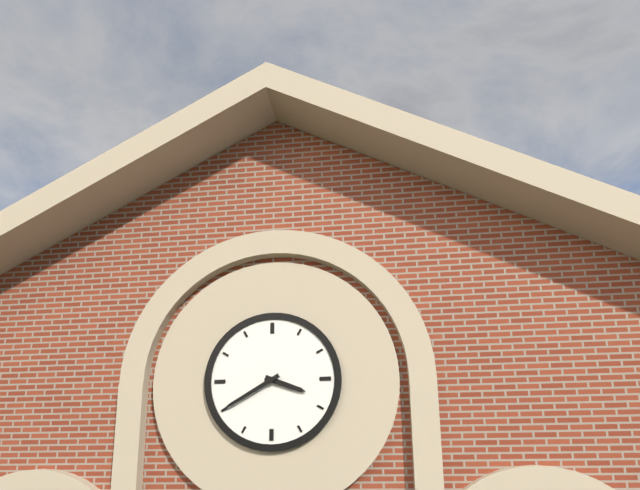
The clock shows **3:40**
